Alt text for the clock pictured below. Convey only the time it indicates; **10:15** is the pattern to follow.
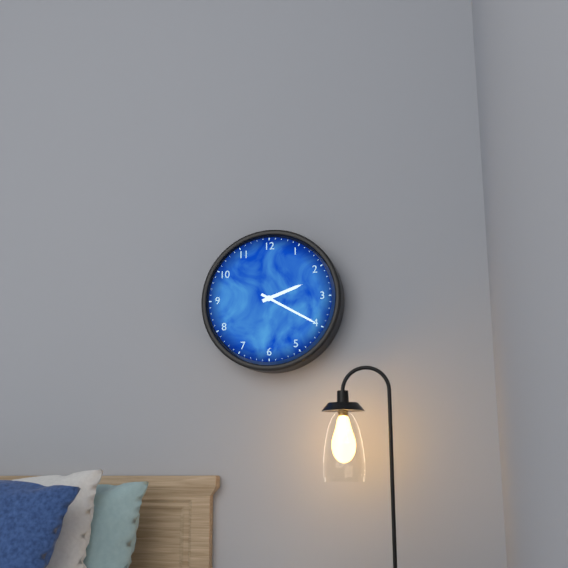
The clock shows **2:20**
